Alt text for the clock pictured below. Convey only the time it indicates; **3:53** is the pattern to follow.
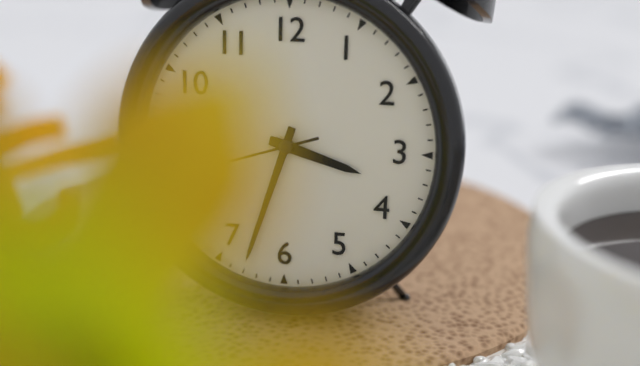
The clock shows **3:33**
